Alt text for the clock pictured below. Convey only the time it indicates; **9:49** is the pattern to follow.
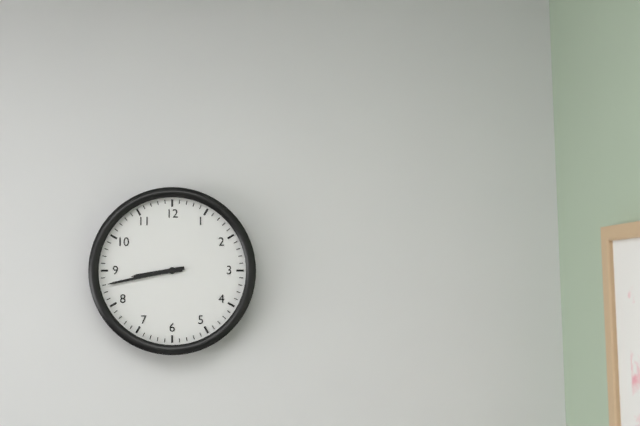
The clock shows **8:43**
